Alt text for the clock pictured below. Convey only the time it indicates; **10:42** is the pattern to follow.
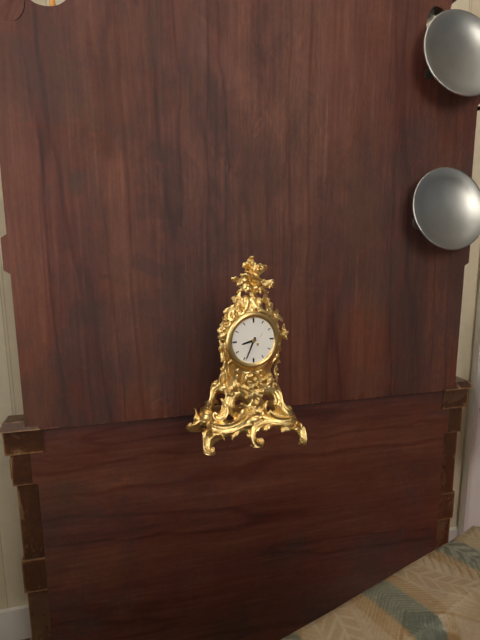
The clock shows **8:34**
